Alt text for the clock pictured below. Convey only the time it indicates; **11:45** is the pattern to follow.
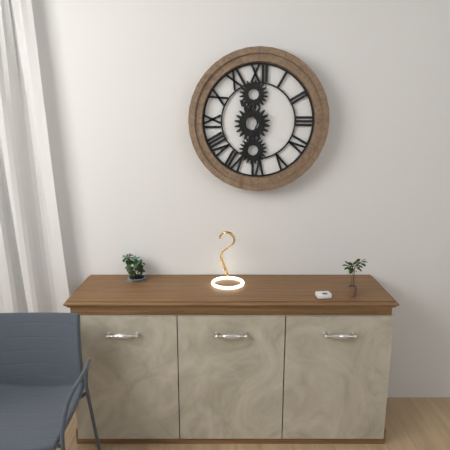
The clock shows **10:34**
